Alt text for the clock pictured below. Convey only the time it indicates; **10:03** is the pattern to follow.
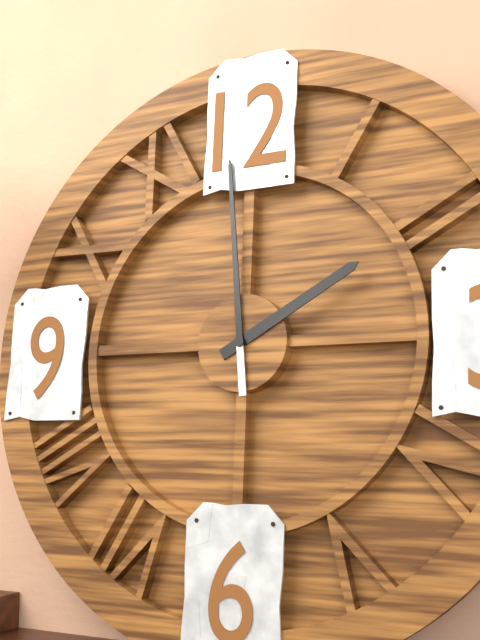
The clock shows **1:59**
